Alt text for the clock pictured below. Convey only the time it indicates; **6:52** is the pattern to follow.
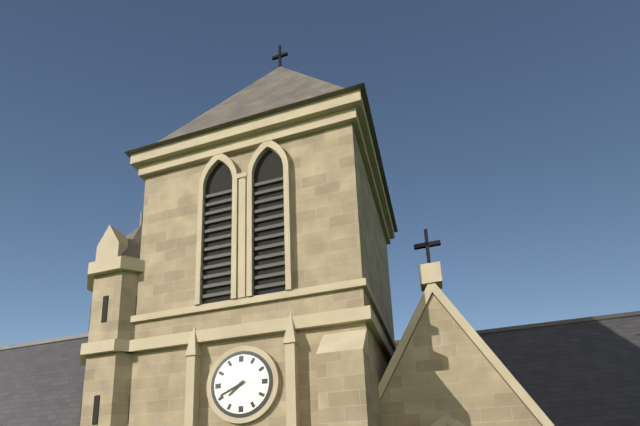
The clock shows **7:41**
